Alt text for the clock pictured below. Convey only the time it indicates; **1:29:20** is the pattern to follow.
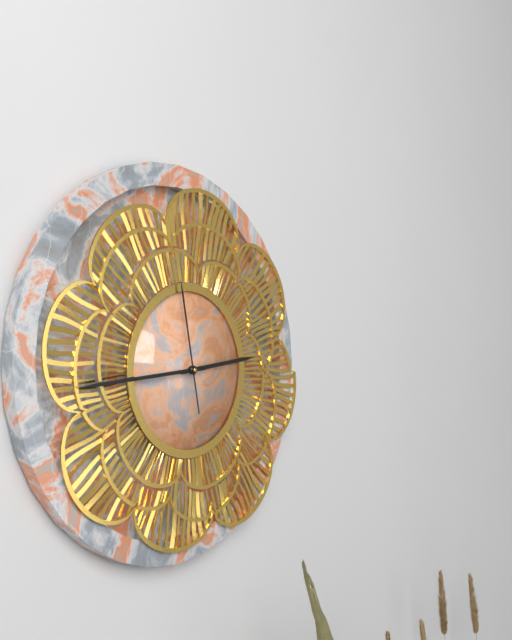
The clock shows **2:44:58**
